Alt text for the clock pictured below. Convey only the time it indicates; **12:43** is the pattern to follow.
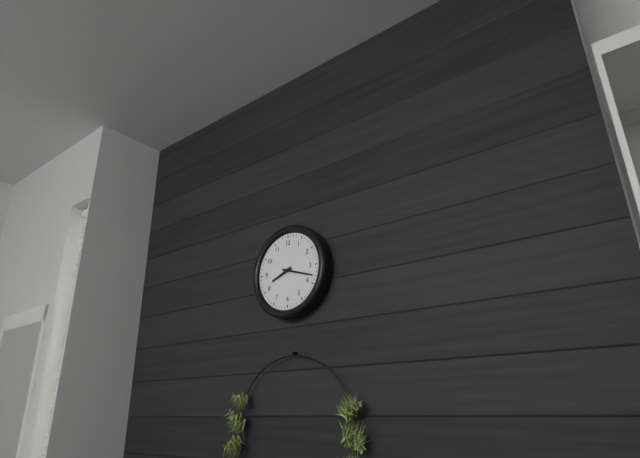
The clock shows **8:18**
